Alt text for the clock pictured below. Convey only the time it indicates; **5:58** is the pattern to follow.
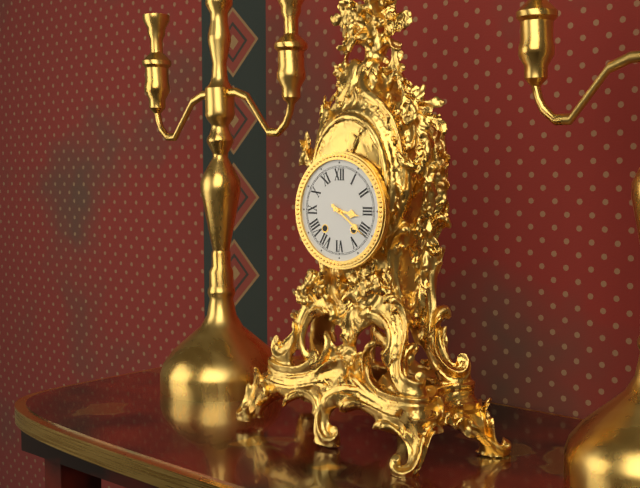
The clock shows **3:21**
